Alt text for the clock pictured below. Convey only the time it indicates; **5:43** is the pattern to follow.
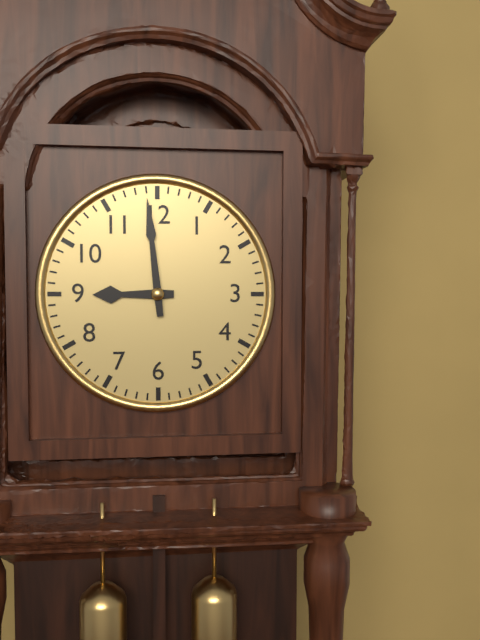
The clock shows **8:59**
